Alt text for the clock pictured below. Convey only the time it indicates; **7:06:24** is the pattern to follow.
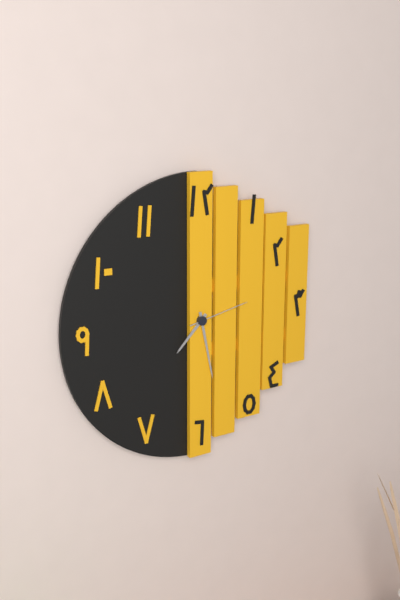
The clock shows **7:28:13**
